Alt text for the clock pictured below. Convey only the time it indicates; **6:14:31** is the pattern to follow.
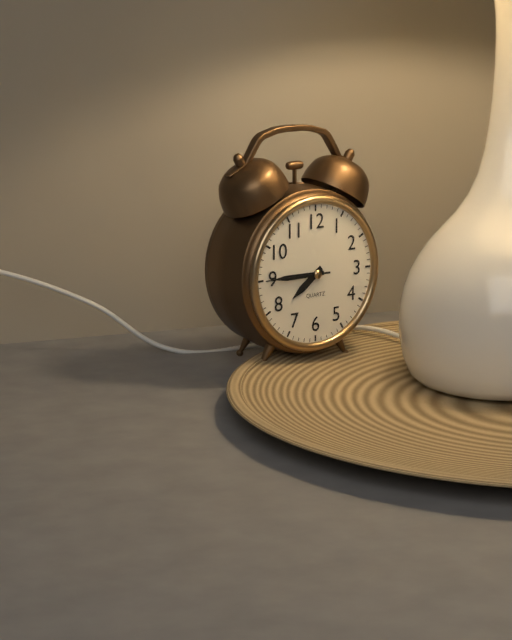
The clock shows **7:45:45**
